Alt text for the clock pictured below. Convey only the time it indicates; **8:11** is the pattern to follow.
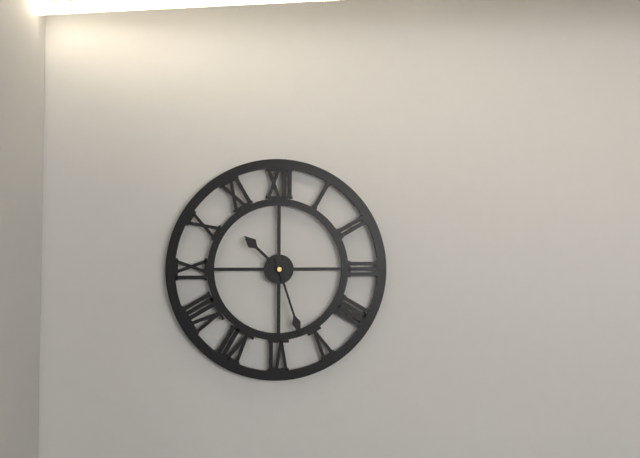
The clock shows **10:27**
